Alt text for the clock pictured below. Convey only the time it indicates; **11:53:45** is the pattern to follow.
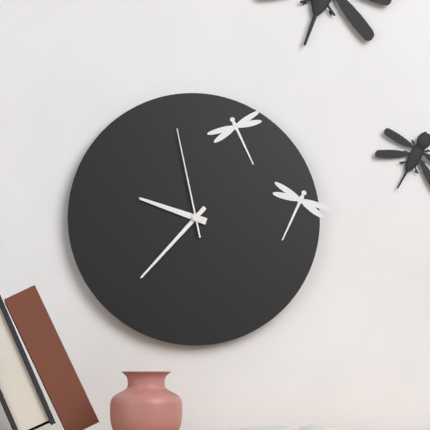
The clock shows **9:37:58**
